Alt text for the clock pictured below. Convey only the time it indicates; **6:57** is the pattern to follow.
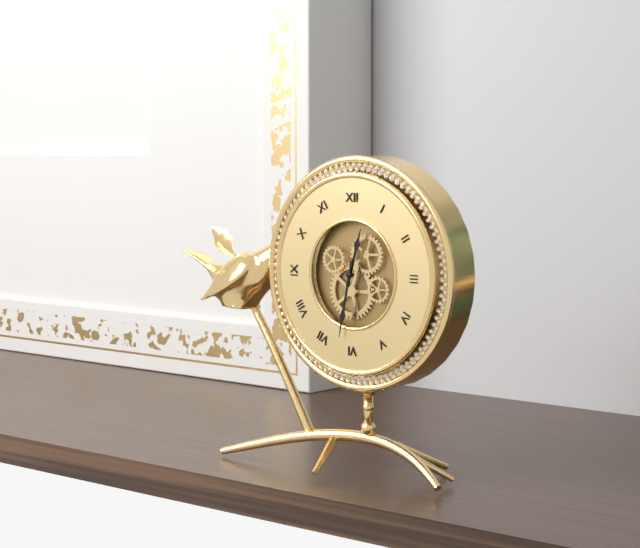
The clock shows **12:32**
